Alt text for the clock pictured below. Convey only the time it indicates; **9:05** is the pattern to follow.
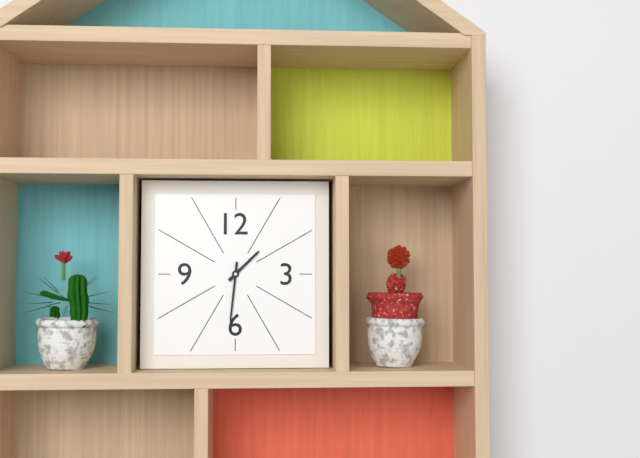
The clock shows **1:31**
